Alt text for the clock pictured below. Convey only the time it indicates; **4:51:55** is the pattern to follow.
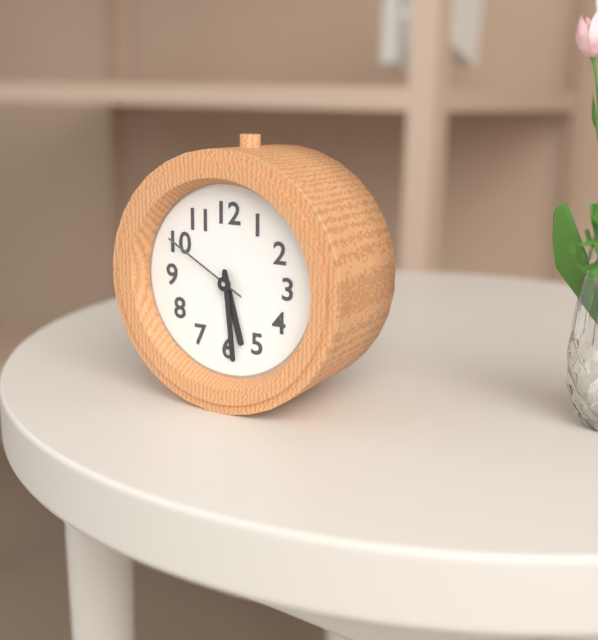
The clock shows **5:29:50**
